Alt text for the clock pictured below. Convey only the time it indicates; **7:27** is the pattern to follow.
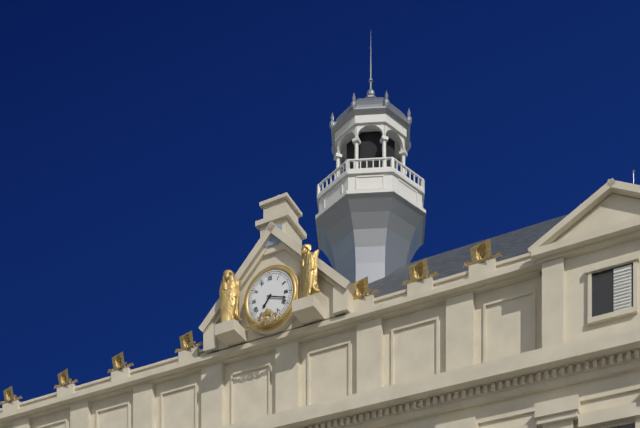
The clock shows **7:18**
